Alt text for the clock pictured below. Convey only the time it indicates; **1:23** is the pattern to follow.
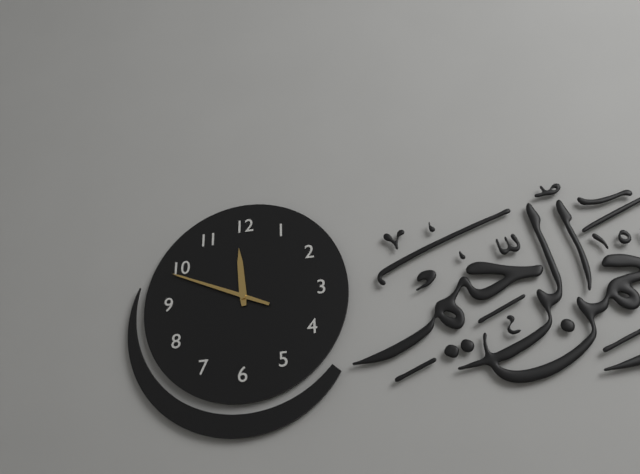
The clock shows **11:49**
